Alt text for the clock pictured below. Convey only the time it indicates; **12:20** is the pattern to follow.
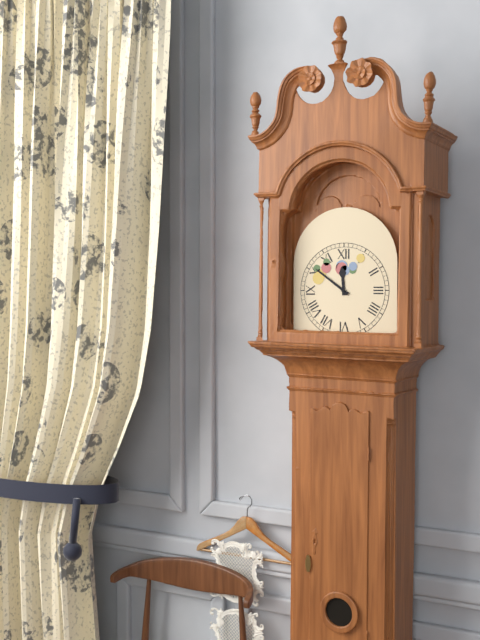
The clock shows **11:51**
